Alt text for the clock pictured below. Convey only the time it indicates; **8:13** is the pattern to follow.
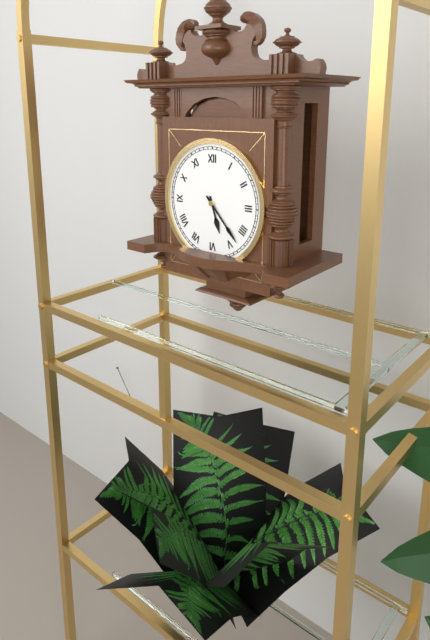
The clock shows **5:23**
